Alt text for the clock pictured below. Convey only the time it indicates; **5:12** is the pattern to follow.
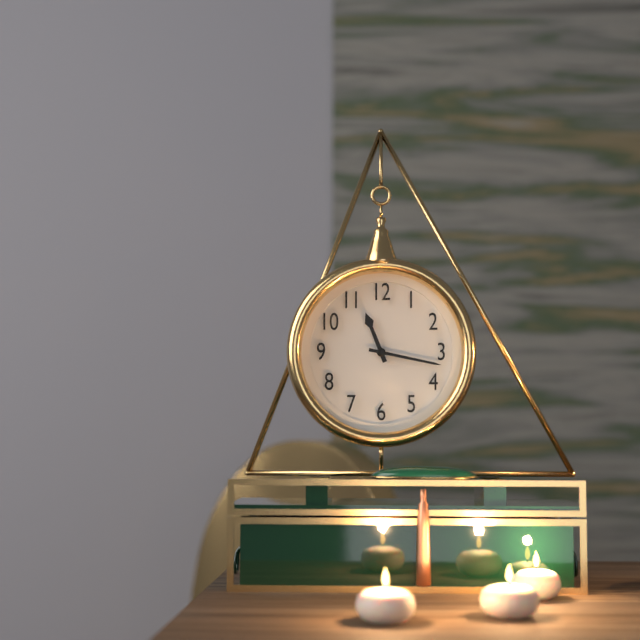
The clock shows **11:17**
